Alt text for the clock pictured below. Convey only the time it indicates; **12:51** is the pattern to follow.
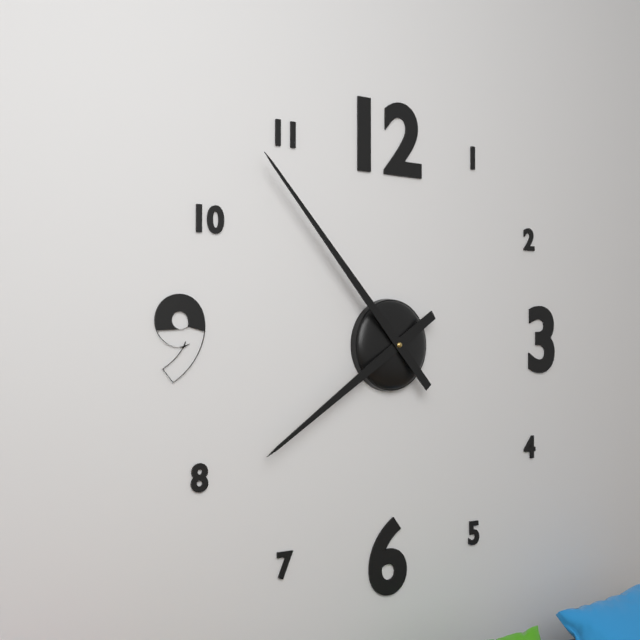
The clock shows **7:53**
